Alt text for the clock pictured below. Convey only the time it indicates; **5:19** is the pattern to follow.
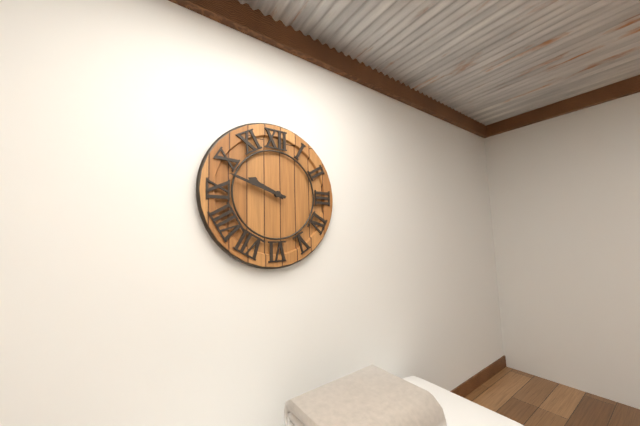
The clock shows **9:48**
